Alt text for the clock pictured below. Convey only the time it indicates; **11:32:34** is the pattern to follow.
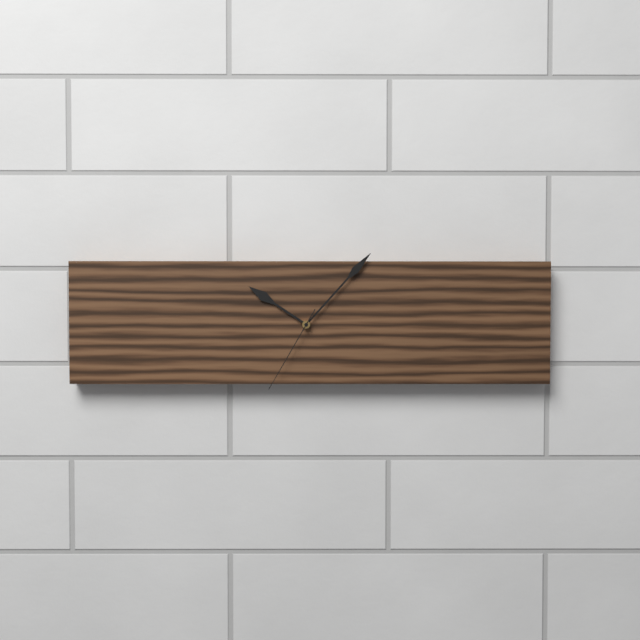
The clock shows **10:07:35**
